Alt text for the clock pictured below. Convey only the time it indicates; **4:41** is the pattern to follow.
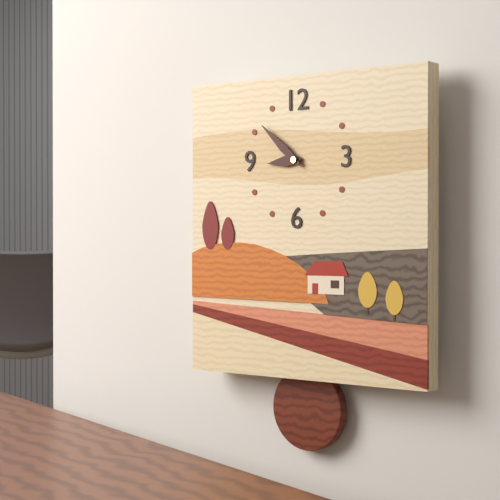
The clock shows **8:52**
